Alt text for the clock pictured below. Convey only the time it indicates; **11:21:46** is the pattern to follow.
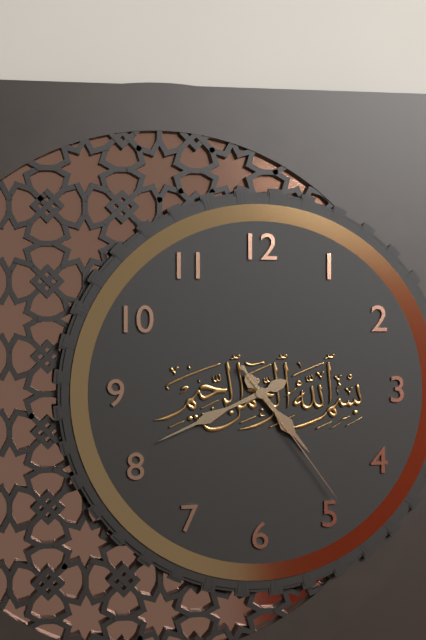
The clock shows **4:41:24**
